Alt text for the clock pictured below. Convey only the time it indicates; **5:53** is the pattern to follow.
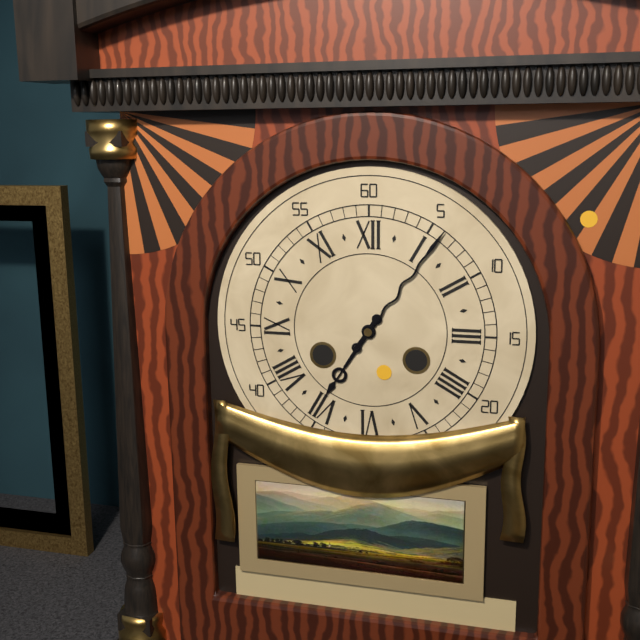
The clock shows **7:06**
